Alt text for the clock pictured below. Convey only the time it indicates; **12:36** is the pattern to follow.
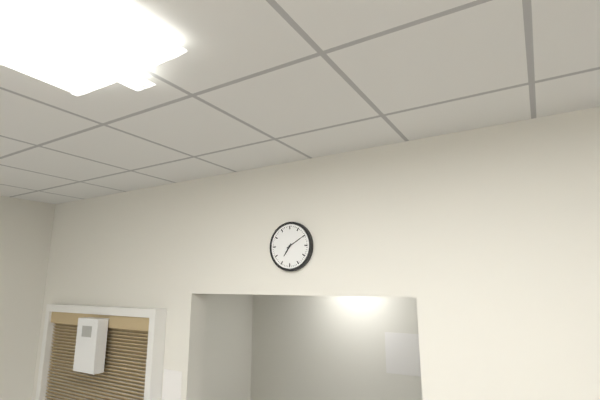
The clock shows **7:10**
